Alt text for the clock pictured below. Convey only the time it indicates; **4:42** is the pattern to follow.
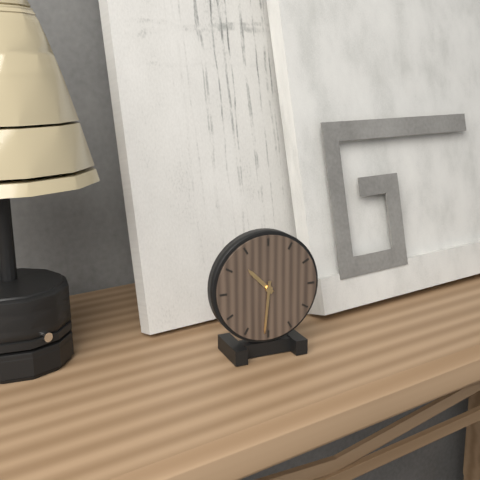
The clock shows **10:31**
